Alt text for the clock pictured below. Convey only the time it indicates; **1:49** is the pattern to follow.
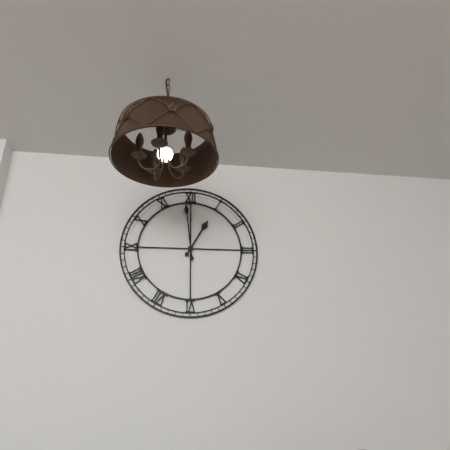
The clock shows **12:59**
